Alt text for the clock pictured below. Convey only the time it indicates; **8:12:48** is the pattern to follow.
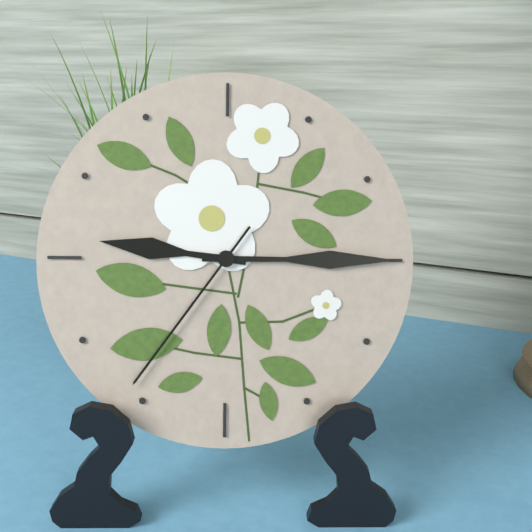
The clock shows **9:15:36**
